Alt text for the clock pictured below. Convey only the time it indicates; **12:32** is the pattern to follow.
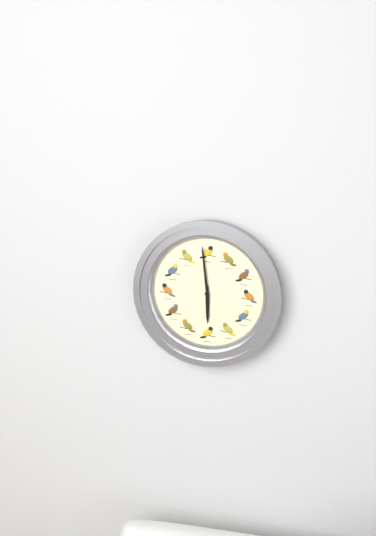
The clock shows **5:59**
